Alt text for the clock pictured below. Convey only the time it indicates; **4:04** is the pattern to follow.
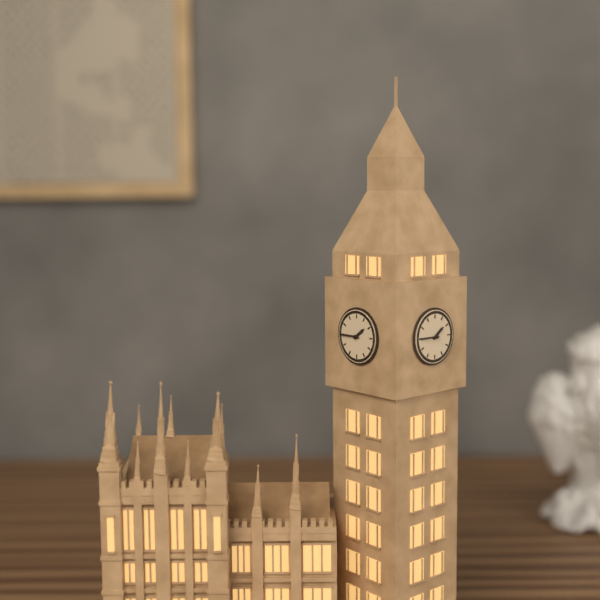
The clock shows **1:45**
